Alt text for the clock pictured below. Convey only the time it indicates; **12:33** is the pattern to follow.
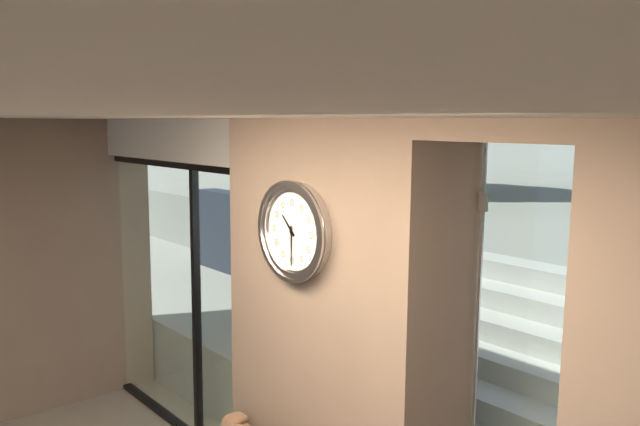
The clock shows **10:30**
